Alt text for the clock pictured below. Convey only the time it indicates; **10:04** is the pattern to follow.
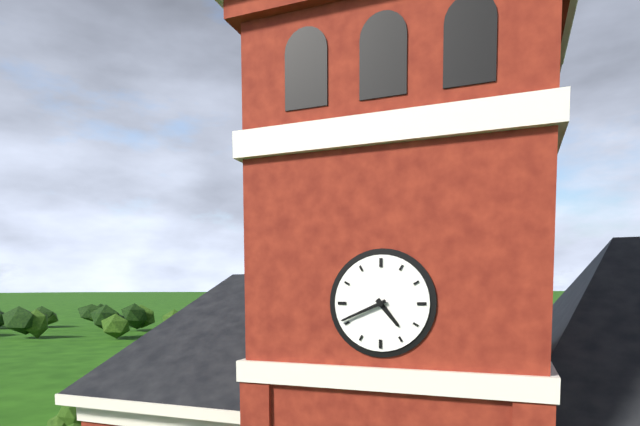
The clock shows **4:41**
